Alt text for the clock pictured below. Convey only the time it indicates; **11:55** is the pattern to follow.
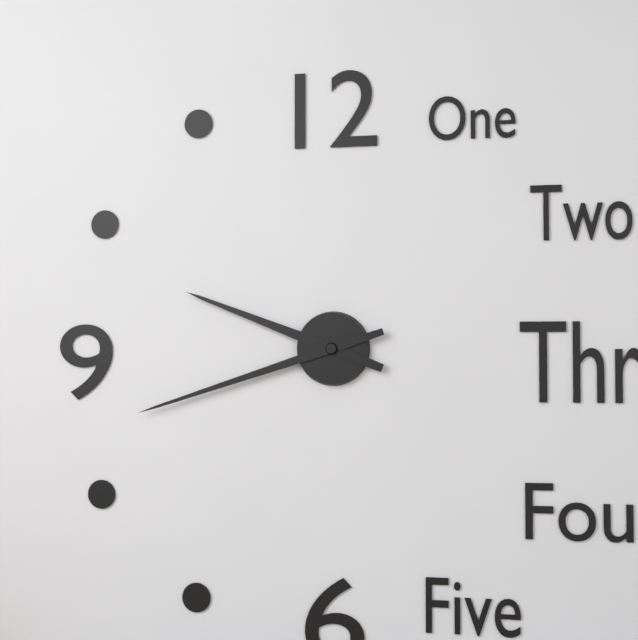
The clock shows **9:42**
